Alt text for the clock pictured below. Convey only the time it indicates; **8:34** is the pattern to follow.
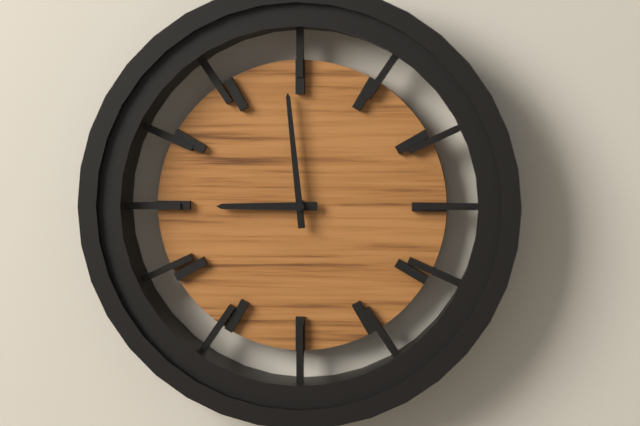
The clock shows **8:59**
